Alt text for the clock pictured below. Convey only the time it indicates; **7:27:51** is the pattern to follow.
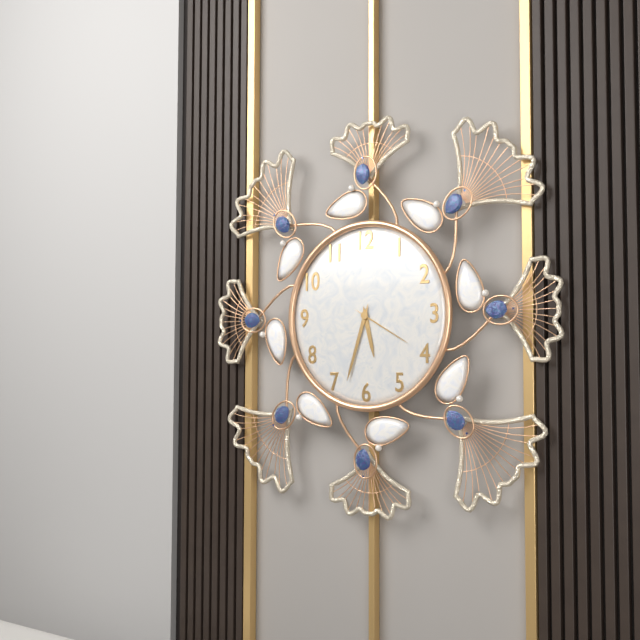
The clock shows **5:33:20**
